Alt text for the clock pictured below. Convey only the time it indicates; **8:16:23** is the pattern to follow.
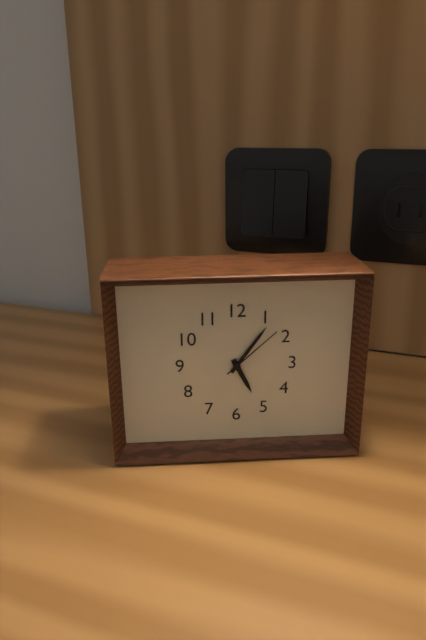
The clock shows **5:06:08**
